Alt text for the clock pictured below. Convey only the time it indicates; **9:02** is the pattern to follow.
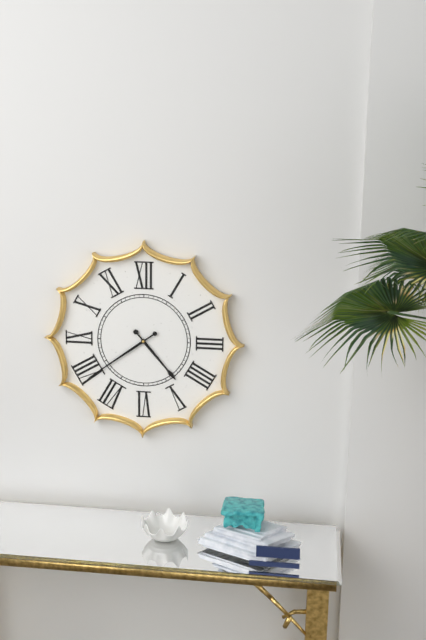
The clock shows **4:39**
